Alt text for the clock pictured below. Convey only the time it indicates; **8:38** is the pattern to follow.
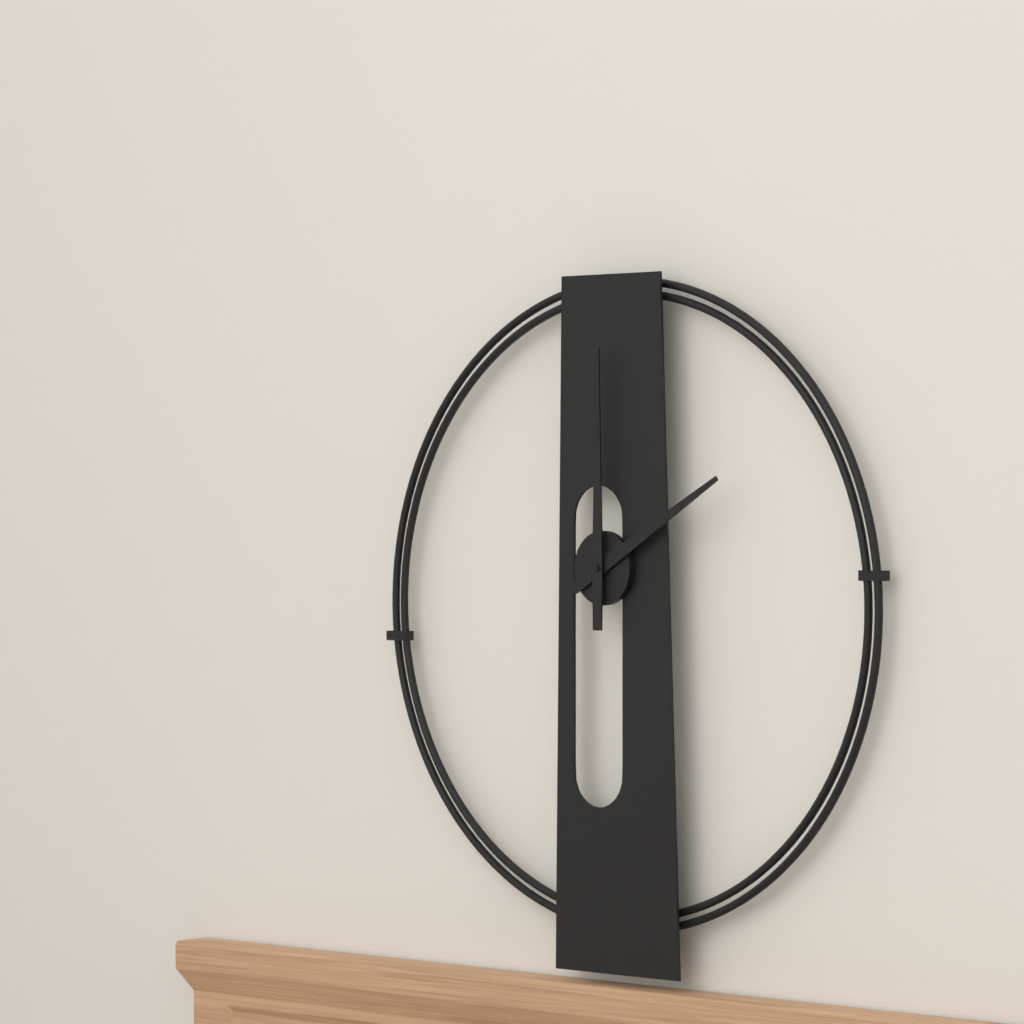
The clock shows **2:00**
